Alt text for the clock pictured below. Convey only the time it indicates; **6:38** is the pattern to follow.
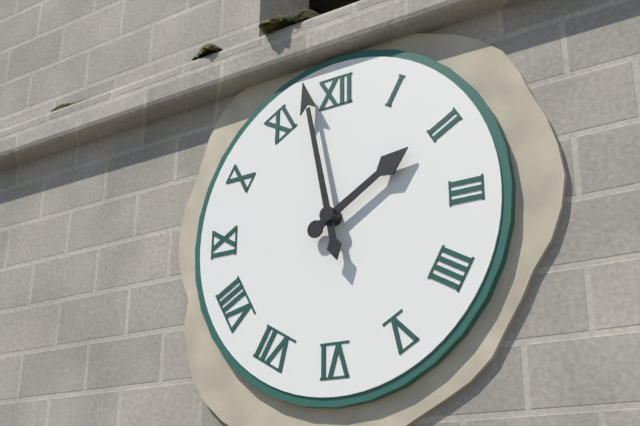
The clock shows **1:58**
